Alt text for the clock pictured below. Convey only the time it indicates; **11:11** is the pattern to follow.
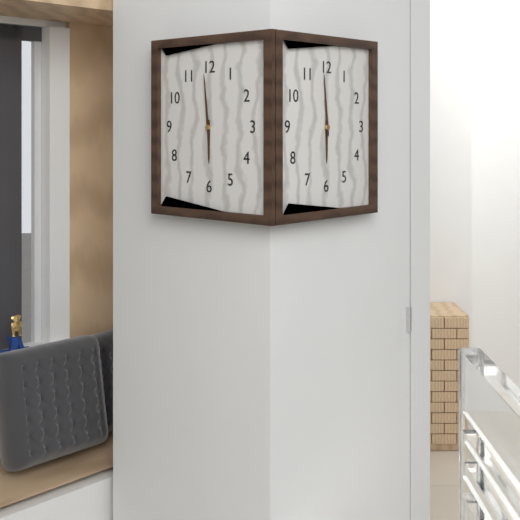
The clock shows **5:59**
